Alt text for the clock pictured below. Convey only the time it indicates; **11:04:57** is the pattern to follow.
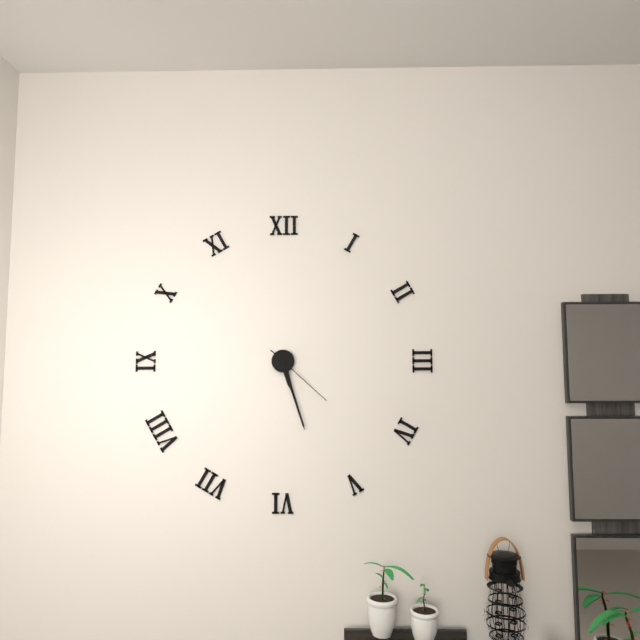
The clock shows **5:27:22**
